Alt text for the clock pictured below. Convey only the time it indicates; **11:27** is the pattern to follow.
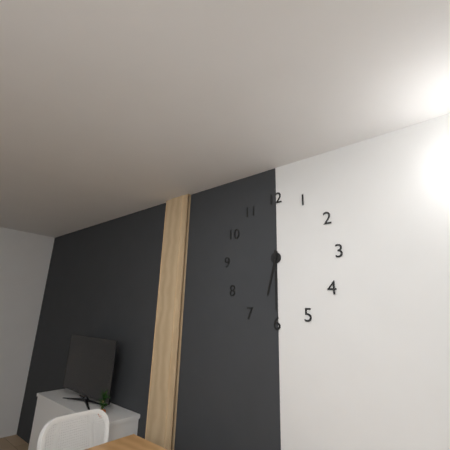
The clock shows **6:30**
